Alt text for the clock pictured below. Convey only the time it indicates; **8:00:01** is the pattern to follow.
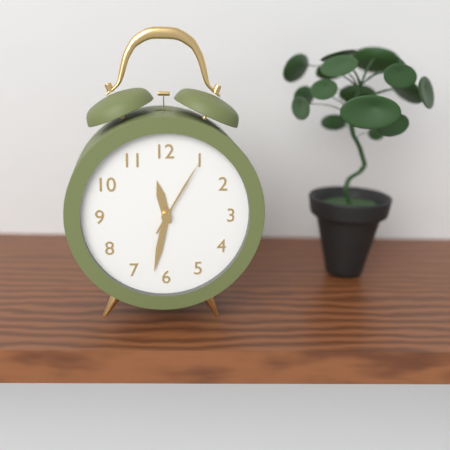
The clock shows **11:32:05**
